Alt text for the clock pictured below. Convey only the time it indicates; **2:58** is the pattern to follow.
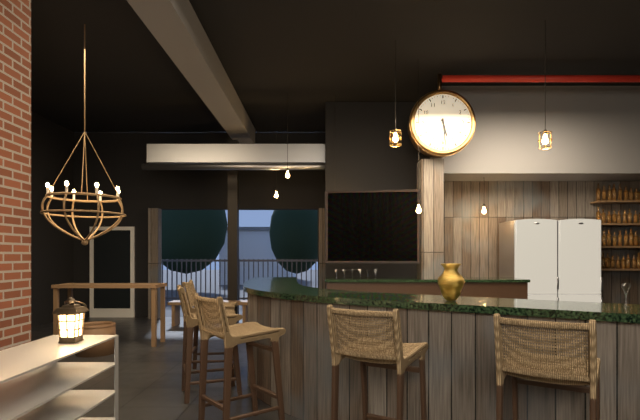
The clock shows **5:29**
